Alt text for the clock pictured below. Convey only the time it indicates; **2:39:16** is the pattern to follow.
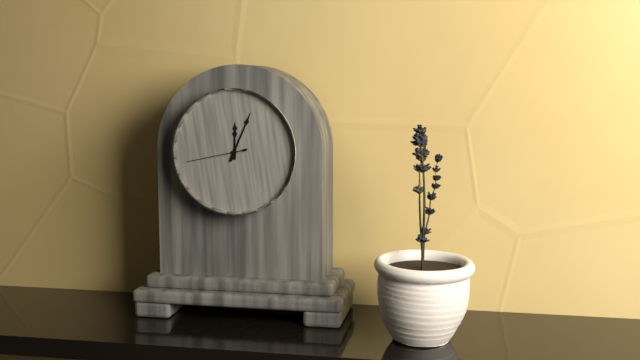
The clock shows **12:04:43**
